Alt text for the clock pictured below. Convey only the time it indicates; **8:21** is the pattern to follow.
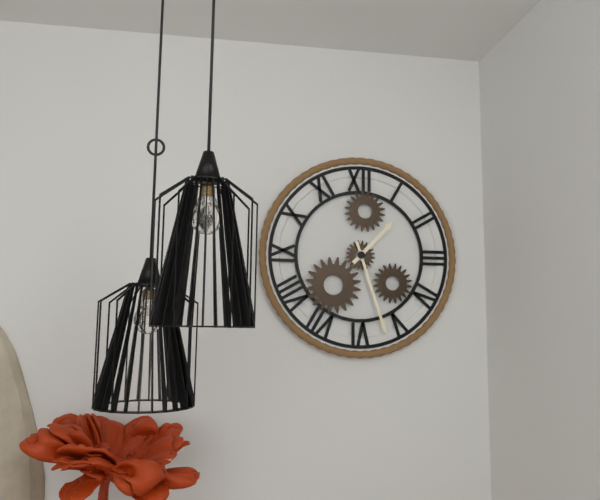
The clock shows **1:27**
